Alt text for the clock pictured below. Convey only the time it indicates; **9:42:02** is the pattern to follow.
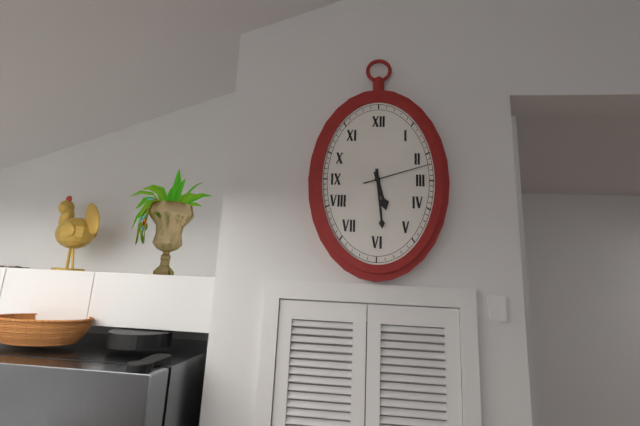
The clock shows **5:29:12**
